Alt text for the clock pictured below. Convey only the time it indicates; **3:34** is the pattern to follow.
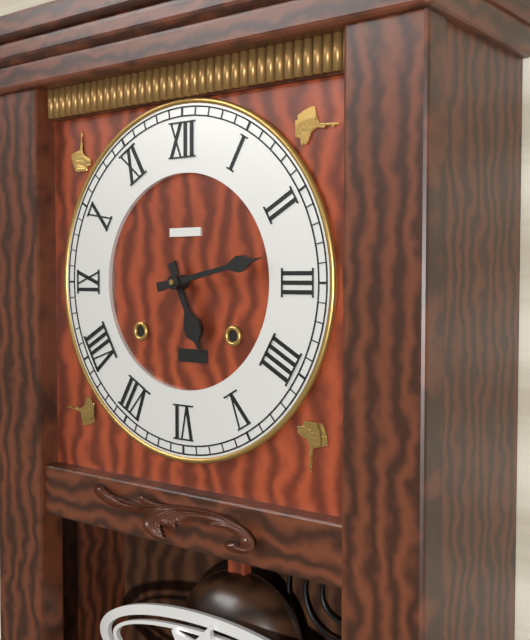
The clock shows **5:13**
